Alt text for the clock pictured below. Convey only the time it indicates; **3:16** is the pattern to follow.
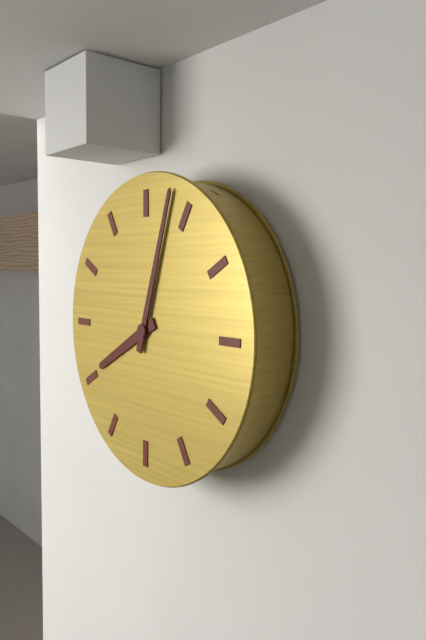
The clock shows **8:03**
